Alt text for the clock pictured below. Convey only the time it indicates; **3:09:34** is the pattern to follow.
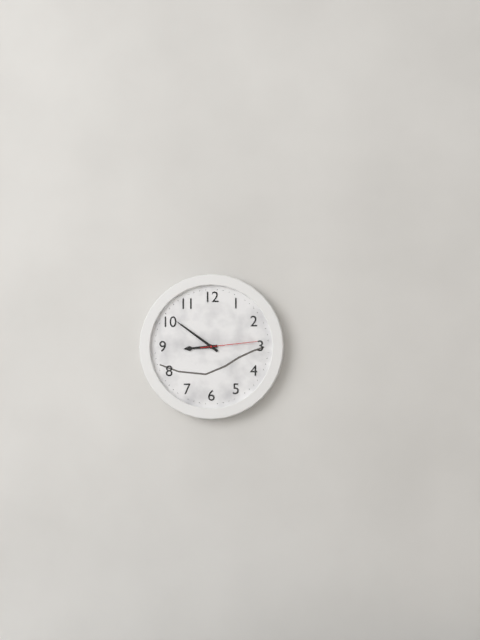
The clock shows **8:51:14**
